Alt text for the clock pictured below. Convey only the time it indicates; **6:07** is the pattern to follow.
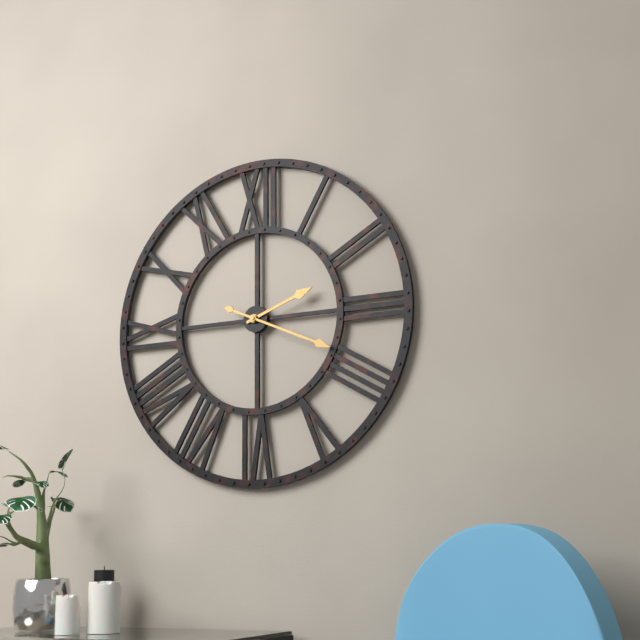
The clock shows **2:19**
